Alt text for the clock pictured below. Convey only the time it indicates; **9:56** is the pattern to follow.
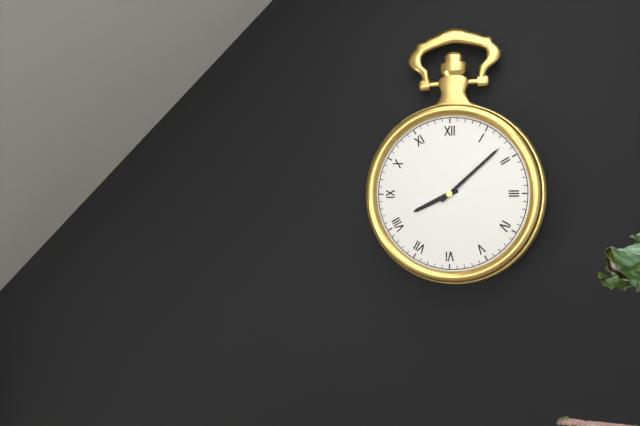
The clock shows **8:08**
